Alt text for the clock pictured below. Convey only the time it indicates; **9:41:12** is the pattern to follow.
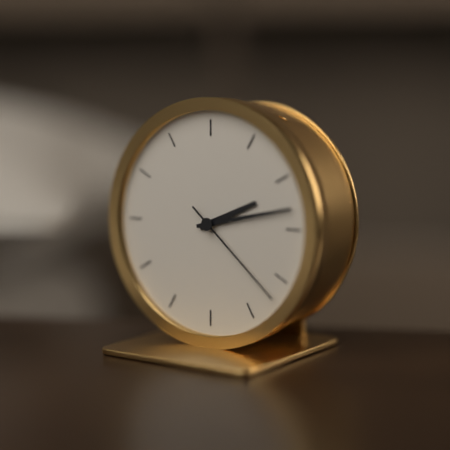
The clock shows **2:13:22**
